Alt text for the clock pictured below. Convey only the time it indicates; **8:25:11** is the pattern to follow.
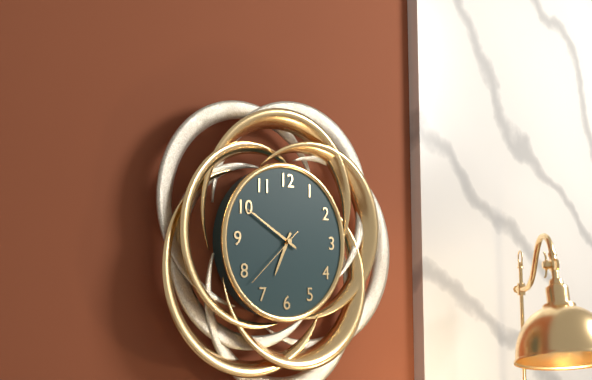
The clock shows **6:50:38**
